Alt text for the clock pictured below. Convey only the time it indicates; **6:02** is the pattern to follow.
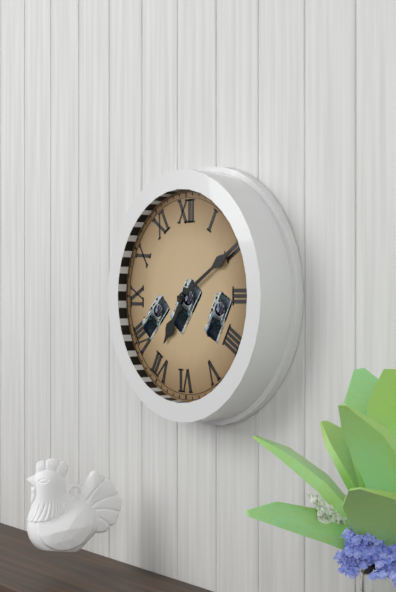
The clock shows **7:10**
